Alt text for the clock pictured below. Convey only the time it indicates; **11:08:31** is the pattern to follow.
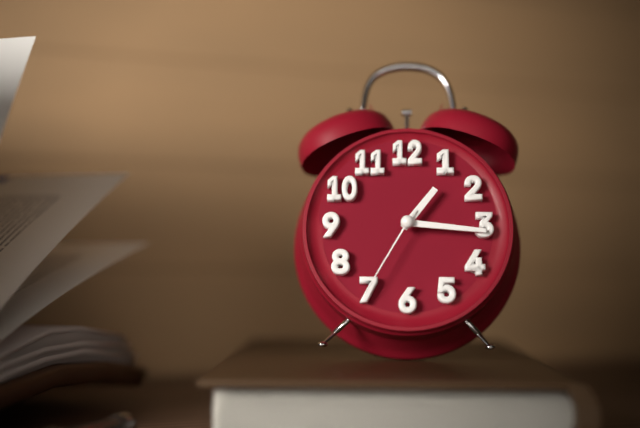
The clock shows **1:16:35**
